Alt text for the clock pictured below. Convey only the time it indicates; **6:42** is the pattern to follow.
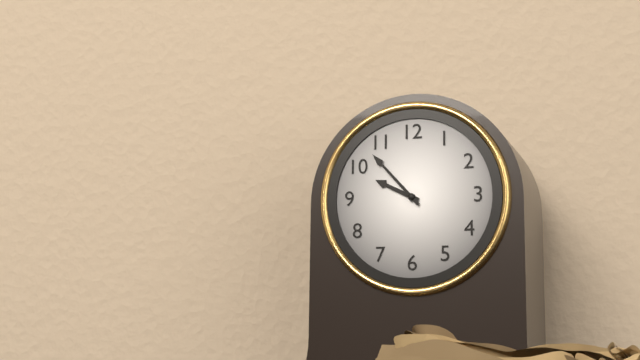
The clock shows **9:53**
